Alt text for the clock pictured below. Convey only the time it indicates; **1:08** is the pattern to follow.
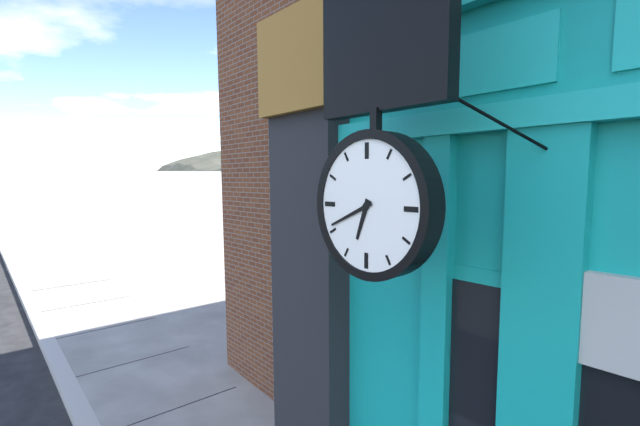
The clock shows **6:41**
